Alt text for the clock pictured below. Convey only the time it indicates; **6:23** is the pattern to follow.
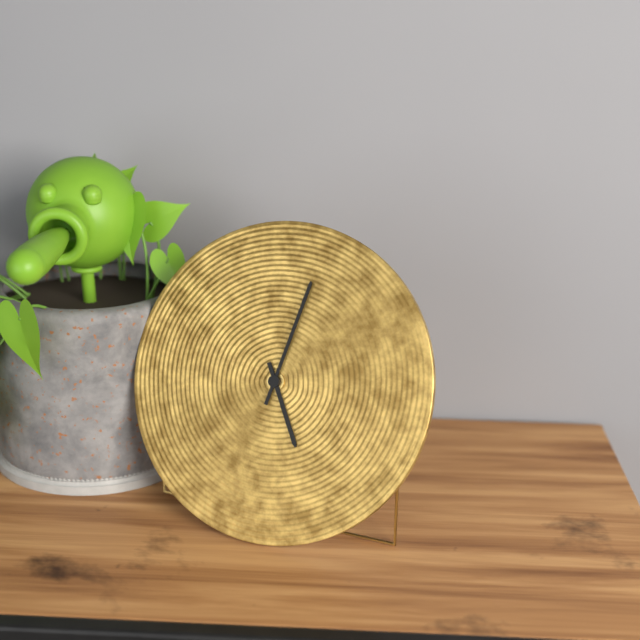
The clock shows **5:02**
